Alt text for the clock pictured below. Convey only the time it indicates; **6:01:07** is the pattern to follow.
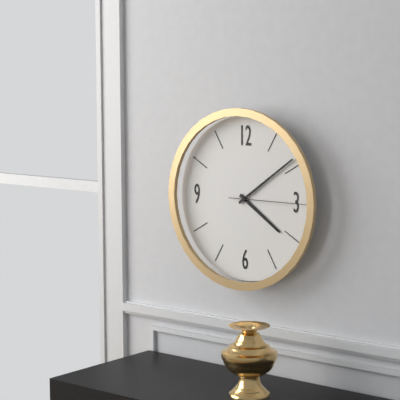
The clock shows **4:09:15**
